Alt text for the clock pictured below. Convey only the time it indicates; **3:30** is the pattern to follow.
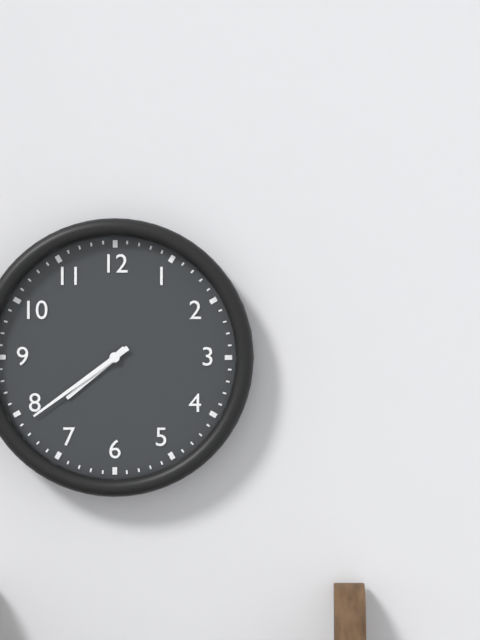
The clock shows **7:39**
